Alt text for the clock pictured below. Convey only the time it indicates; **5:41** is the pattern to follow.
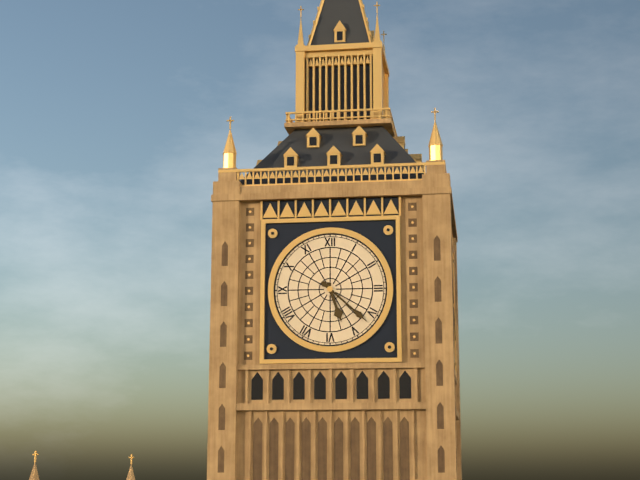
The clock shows **5:22**
